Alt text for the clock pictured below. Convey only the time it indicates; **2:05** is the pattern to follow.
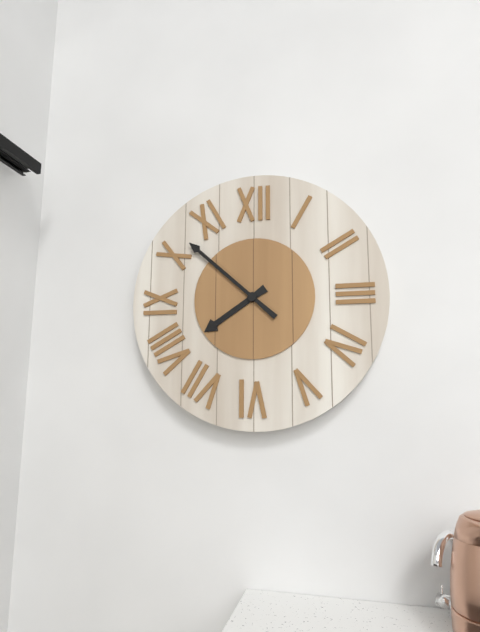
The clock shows **7:52**
